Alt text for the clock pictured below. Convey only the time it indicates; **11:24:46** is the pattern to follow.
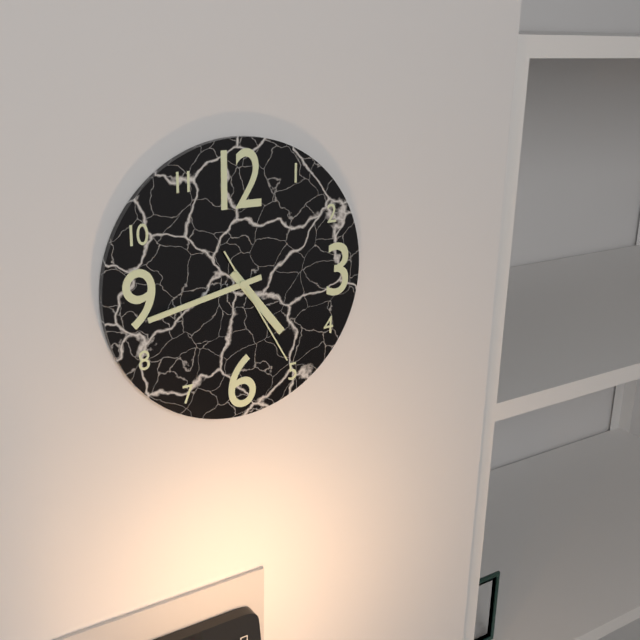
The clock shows **4:43:25**
